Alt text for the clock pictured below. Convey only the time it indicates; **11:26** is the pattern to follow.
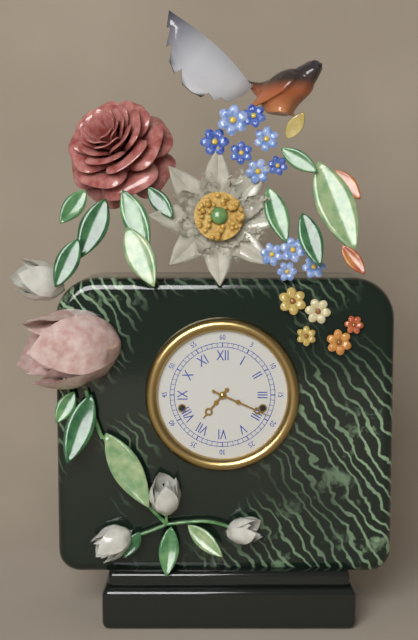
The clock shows **7:19**
